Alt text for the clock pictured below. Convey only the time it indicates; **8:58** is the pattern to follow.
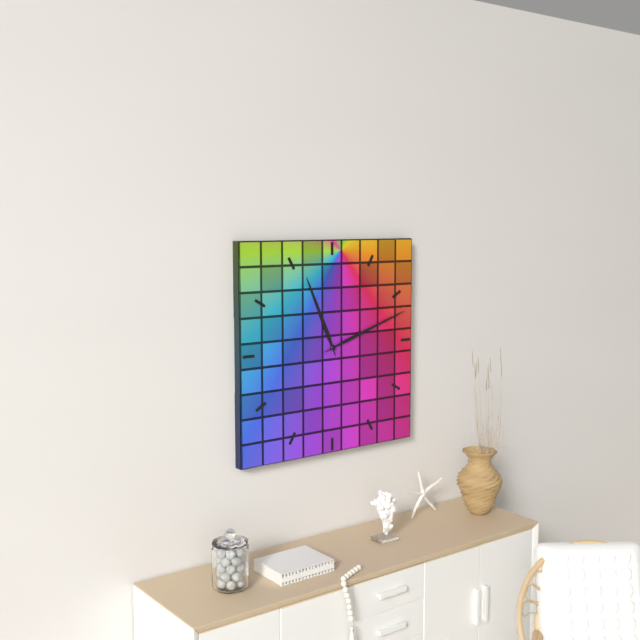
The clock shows **11:12**
